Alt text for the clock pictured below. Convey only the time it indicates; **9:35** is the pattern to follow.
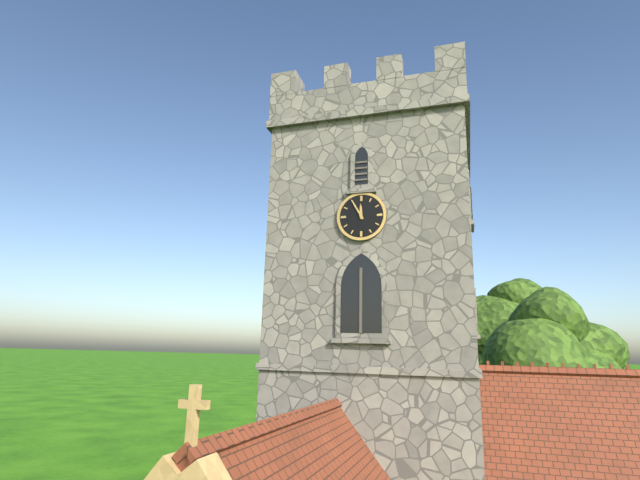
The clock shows **11:55**
